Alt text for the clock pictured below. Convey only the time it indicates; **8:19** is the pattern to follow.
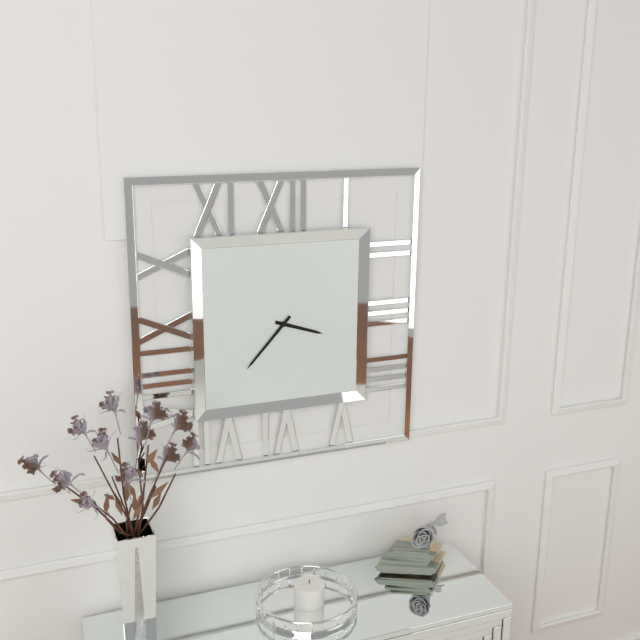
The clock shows **3:37**
